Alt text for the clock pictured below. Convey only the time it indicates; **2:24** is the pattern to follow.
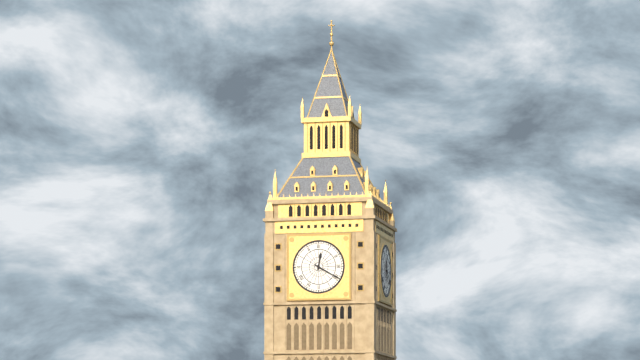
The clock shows **12:20**
